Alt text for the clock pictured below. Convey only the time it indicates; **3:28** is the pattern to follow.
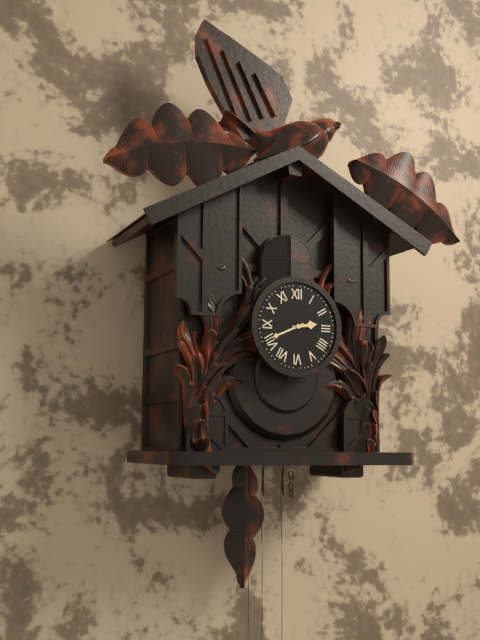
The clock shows **2:41**
